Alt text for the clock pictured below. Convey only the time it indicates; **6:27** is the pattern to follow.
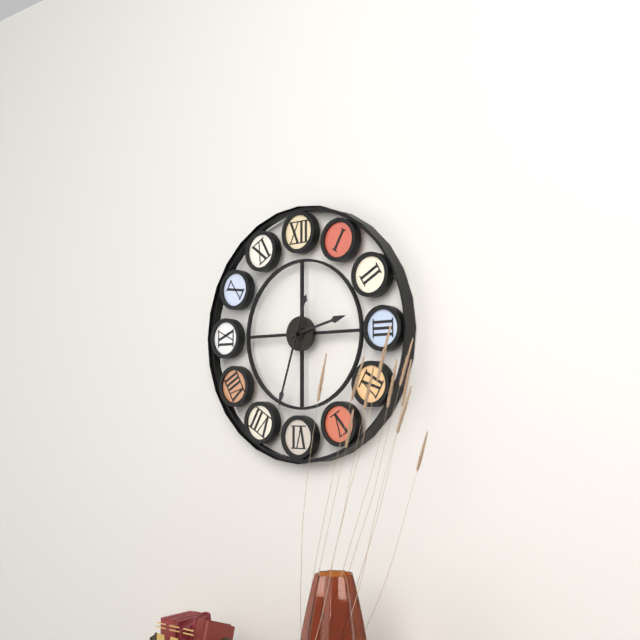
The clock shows **2:33**
